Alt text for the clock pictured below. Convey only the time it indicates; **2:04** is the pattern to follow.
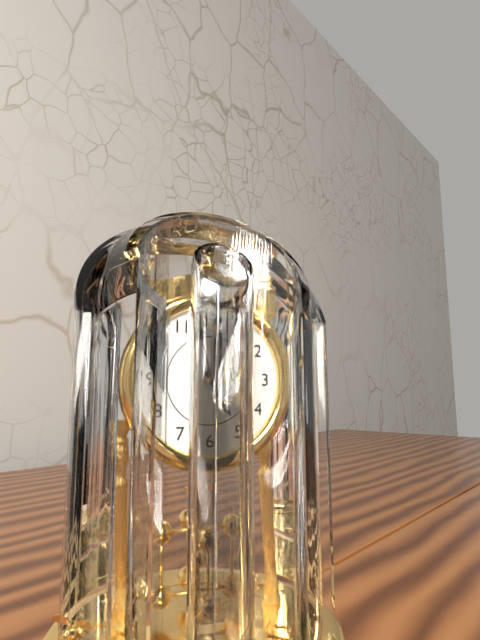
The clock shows **4:58**
